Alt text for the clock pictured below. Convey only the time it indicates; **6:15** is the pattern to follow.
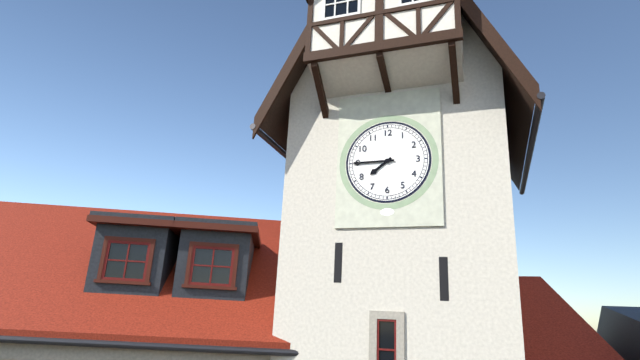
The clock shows **7:45**
